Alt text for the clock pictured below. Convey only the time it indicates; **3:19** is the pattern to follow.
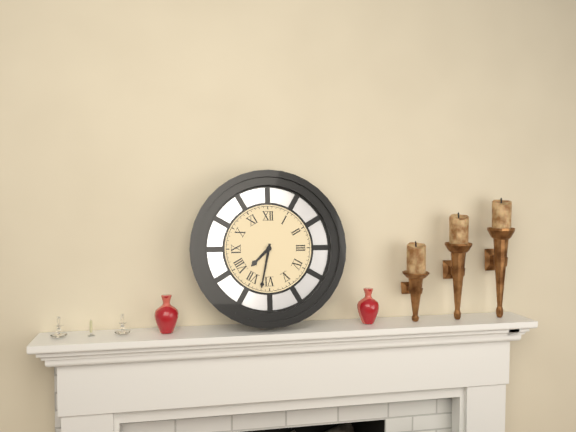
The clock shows **7:32**
